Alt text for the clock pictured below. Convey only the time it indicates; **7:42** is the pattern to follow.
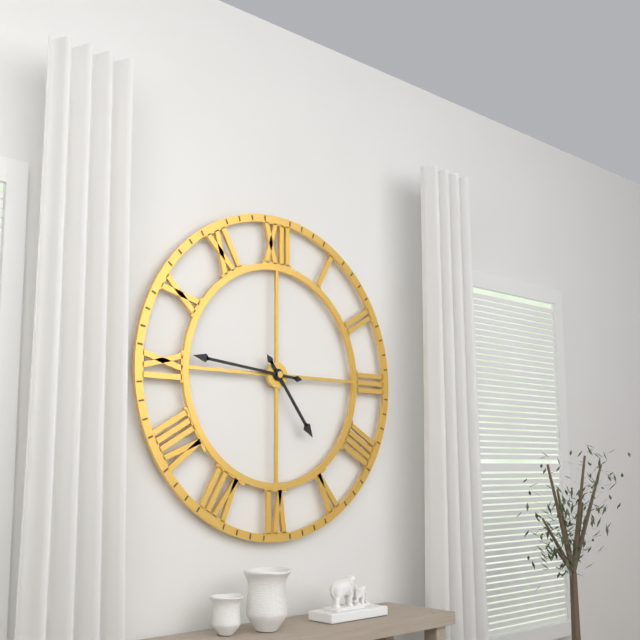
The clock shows **4:46**
